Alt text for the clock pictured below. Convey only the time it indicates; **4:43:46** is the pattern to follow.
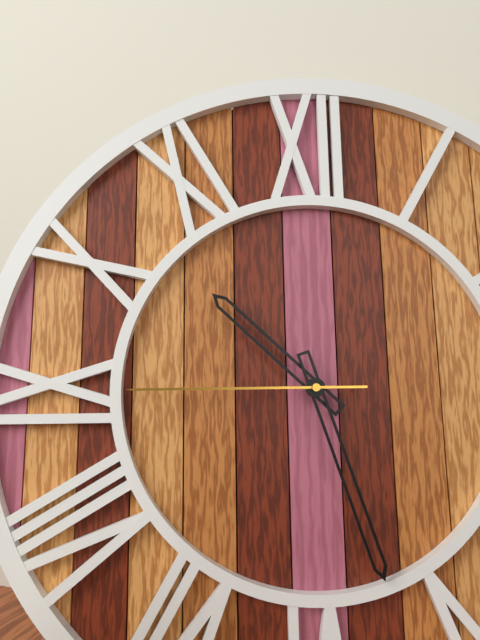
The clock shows **10:27:45**
